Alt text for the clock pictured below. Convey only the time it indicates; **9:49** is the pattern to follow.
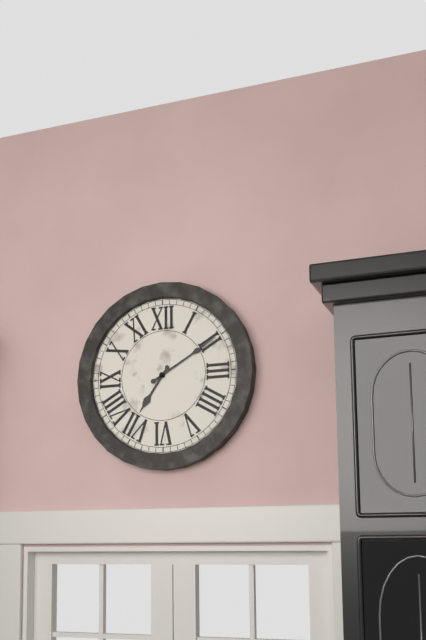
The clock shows **7:10**
